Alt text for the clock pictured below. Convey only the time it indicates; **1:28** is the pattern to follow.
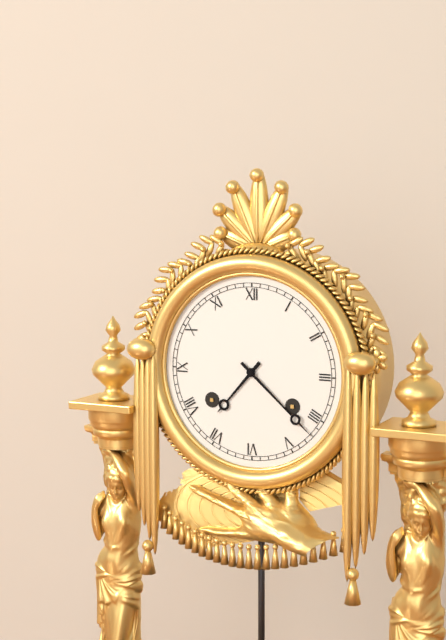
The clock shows **7:22**
